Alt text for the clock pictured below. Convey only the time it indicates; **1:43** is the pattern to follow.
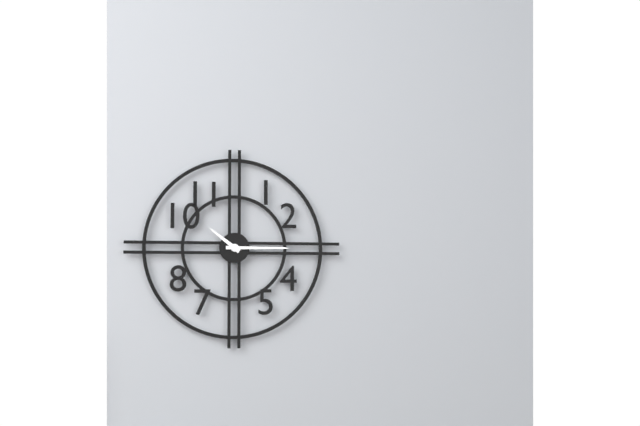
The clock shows **10:15**
